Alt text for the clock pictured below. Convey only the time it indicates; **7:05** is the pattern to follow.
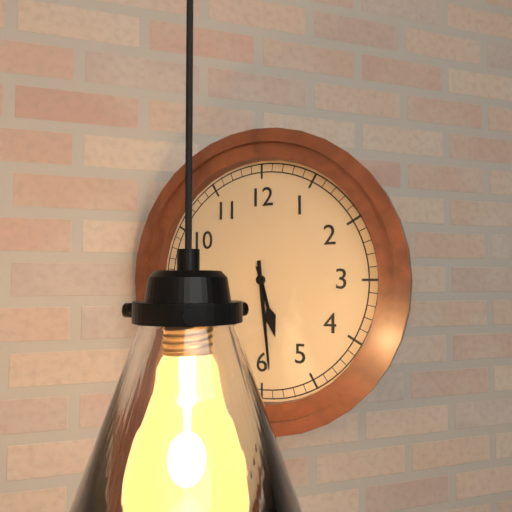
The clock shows **5:29**
